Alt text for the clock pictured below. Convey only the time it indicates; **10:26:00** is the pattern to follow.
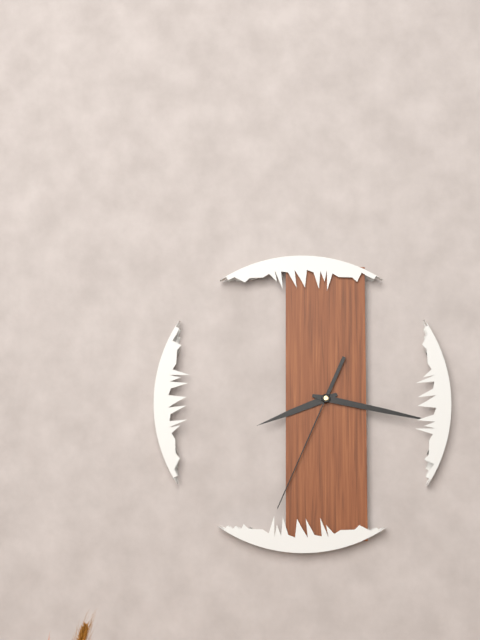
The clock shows **8:17:34**
